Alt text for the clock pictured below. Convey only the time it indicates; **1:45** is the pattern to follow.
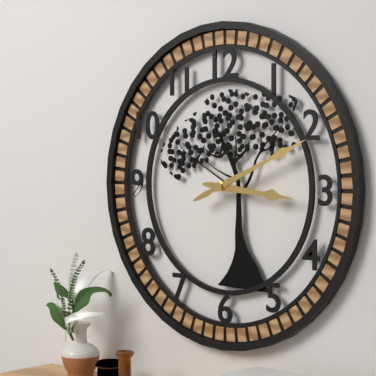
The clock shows **3:11**
